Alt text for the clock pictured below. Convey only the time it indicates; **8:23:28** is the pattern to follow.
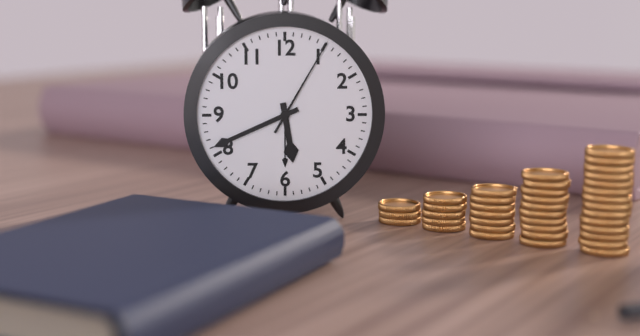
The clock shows **5:41:05**
